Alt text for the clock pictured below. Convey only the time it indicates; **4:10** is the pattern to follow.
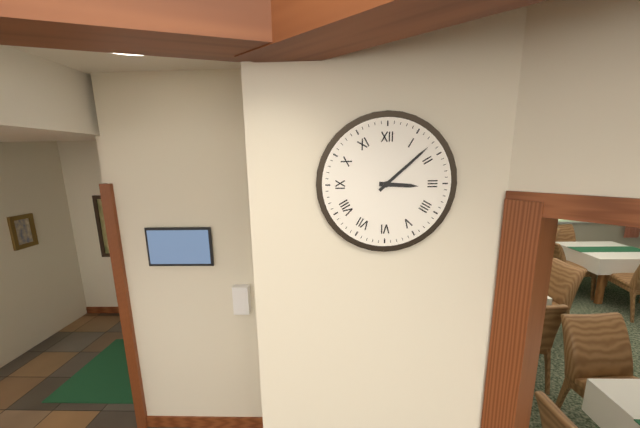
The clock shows **3:08**
